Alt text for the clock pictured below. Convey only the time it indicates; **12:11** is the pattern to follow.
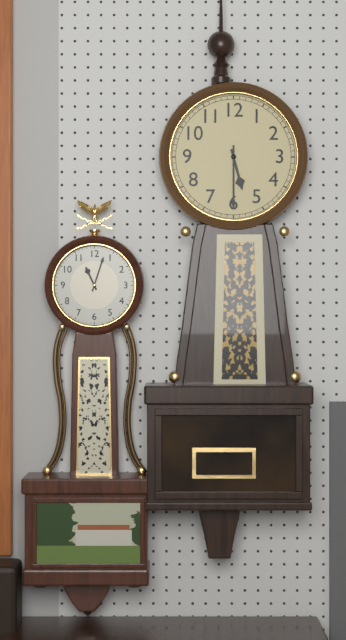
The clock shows **5:30**
